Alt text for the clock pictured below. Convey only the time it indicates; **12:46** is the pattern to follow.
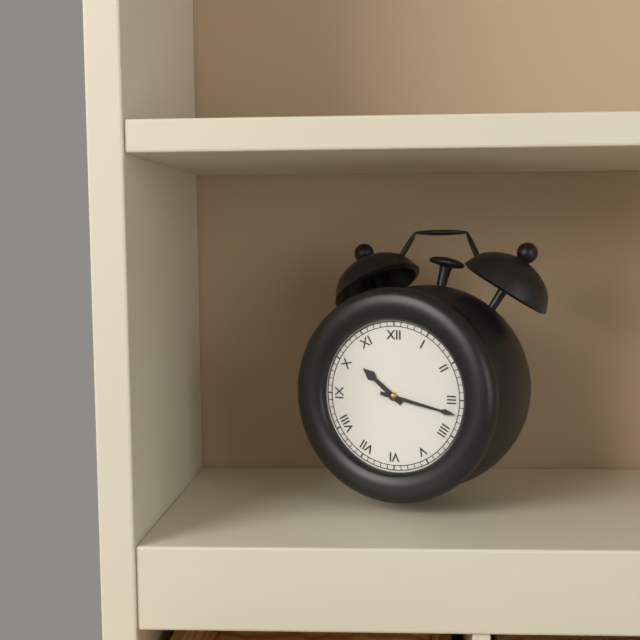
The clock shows **10:17**
